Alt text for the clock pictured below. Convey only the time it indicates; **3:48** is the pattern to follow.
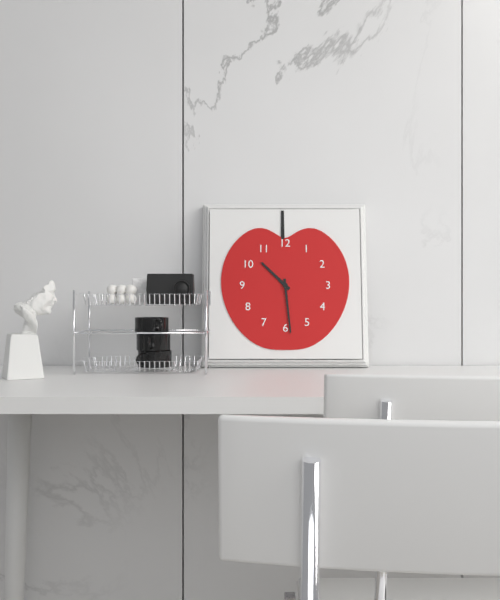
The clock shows **10:29**
